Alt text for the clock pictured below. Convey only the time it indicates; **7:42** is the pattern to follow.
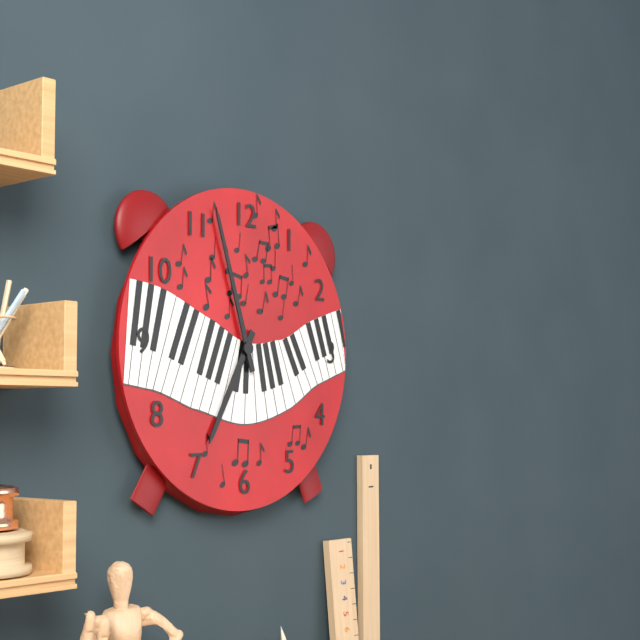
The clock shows **6:57**
